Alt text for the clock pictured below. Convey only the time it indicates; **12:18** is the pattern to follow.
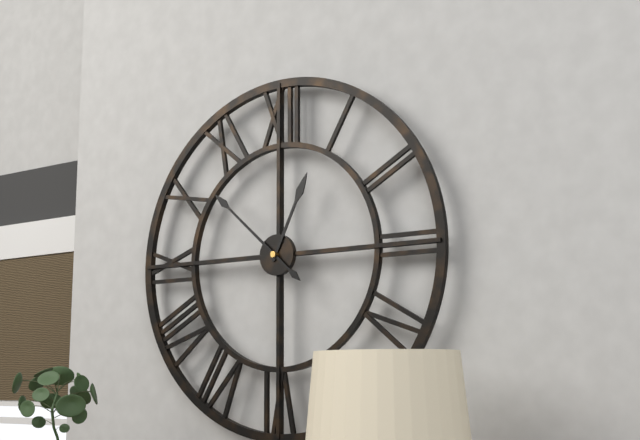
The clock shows **12:52**
